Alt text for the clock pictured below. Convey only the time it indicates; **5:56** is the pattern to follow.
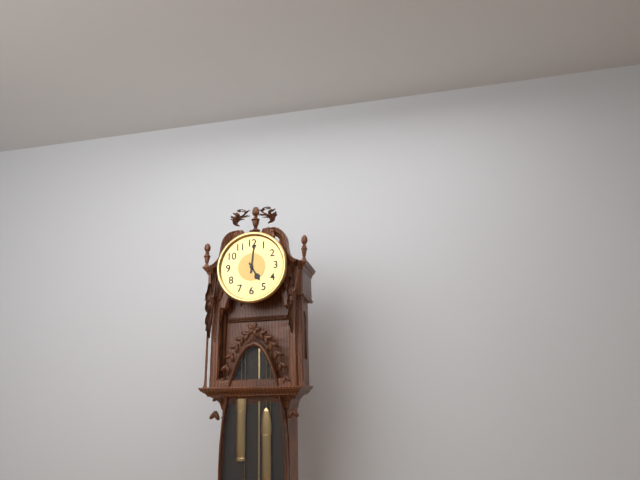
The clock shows **5:01**
